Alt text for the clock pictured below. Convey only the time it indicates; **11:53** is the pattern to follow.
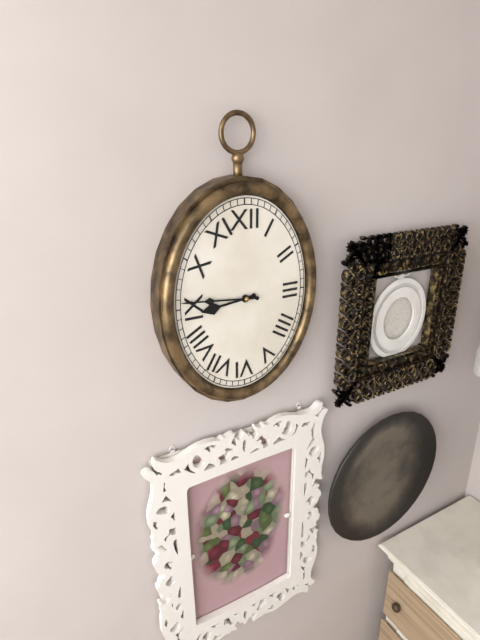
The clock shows **8:46**
